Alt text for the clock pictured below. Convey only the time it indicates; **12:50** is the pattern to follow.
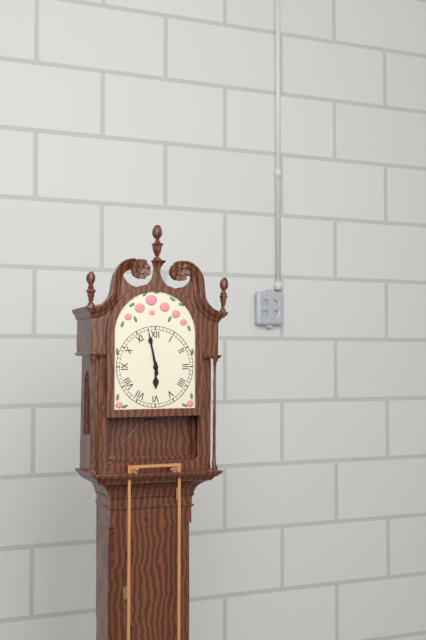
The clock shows **5:58**
